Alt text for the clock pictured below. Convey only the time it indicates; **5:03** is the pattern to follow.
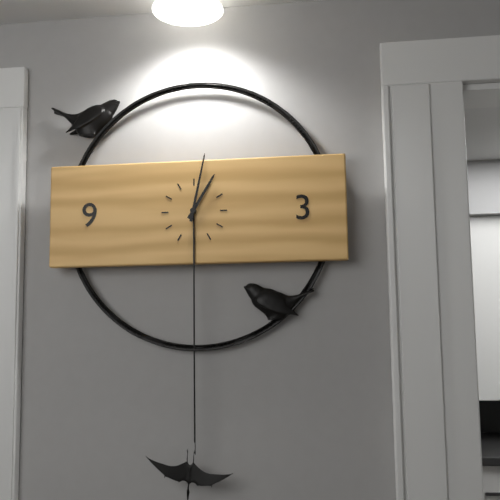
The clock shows **1:02**
